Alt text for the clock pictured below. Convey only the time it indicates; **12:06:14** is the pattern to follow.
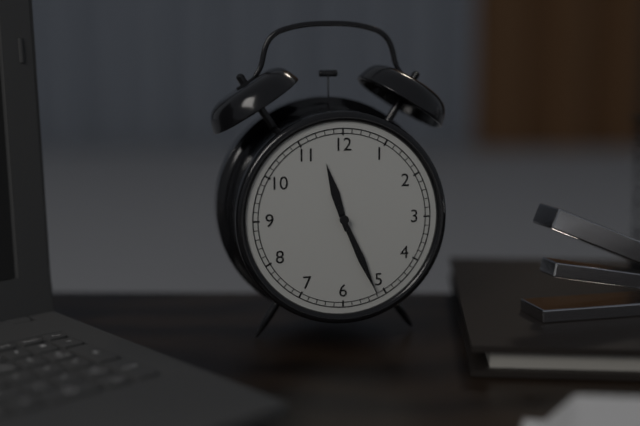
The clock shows **11:26:26**
